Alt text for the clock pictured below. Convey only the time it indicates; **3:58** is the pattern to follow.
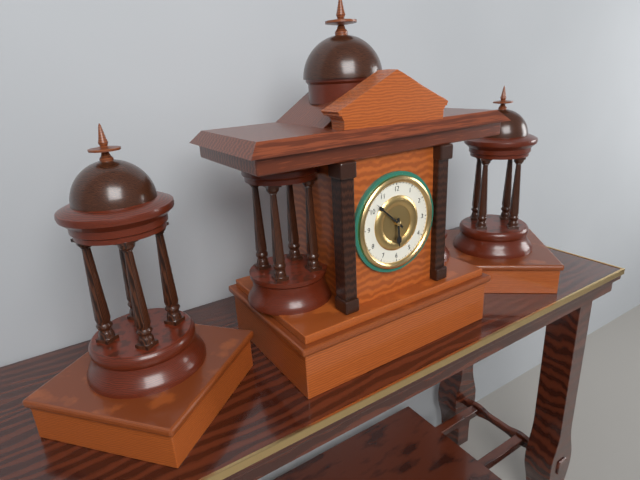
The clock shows **5:52**
